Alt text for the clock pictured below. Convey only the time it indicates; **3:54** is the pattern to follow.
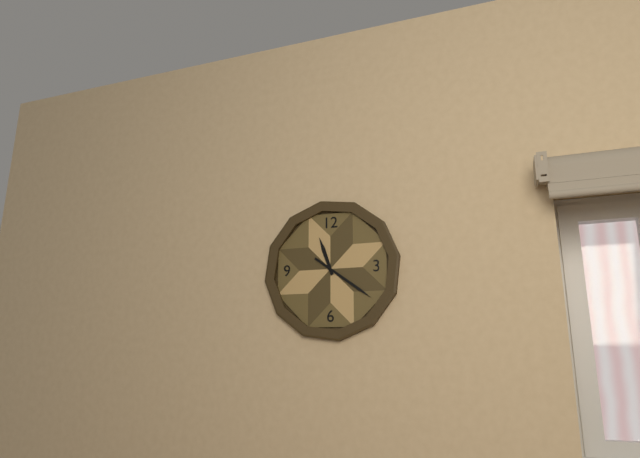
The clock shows **11:21**
